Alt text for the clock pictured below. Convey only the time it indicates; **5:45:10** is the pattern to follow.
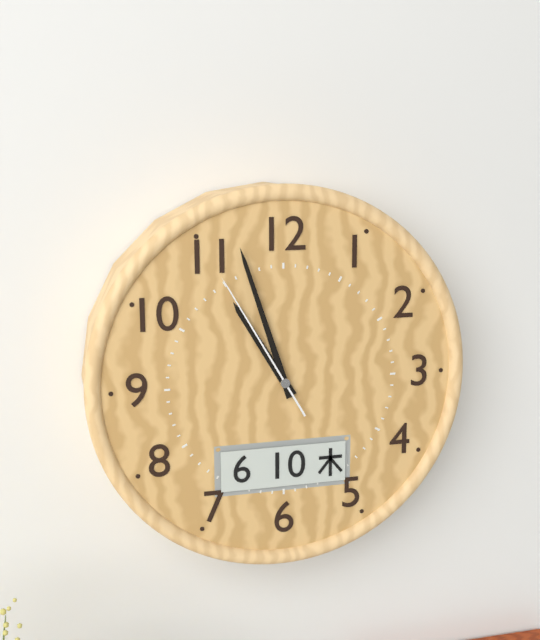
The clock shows **10:57:55**
